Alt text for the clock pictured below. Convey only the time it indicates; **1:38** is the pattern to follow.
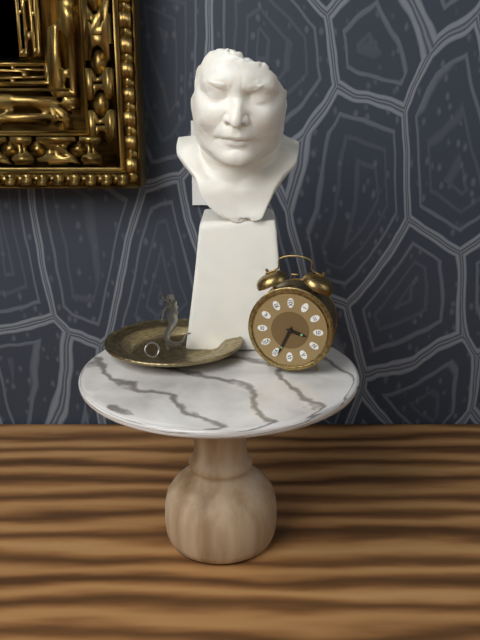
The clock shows **3:34**
